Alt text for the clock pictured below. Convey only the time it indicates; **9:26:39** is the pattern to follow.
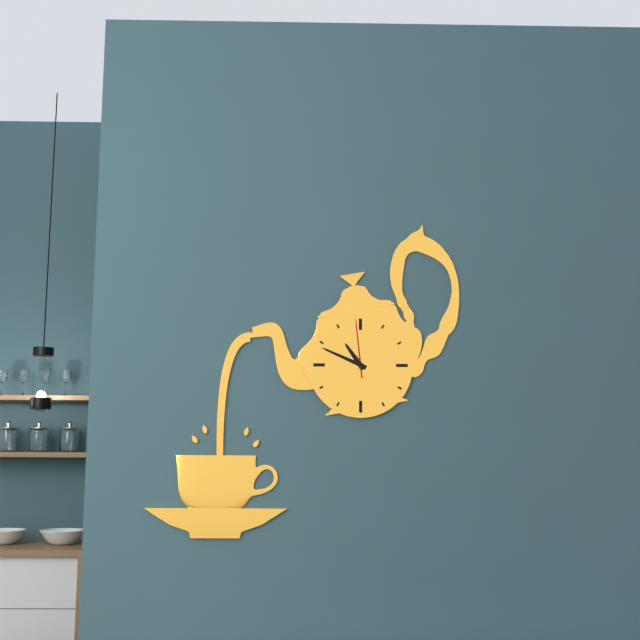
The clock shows **10:49:59**
